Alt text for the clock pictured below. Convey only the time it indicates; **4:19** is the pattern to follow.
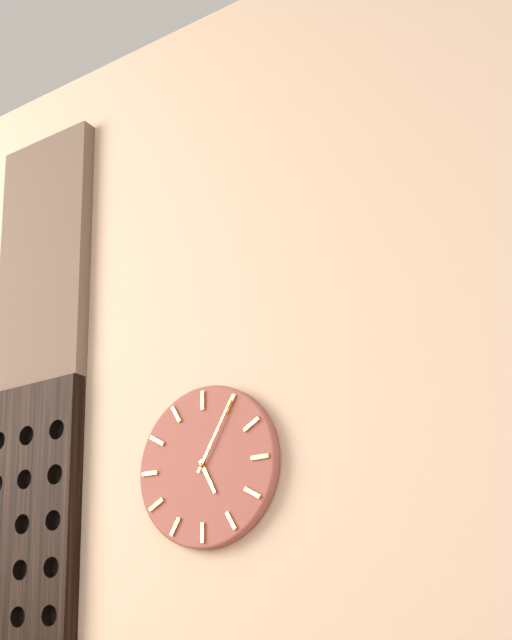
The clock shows **5:05**
